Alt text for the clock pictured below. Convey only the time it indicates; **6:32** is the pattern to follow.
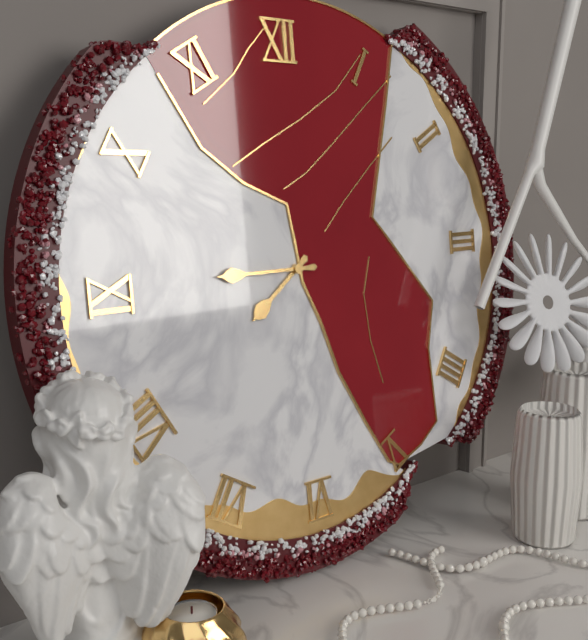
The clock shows **7:45**
